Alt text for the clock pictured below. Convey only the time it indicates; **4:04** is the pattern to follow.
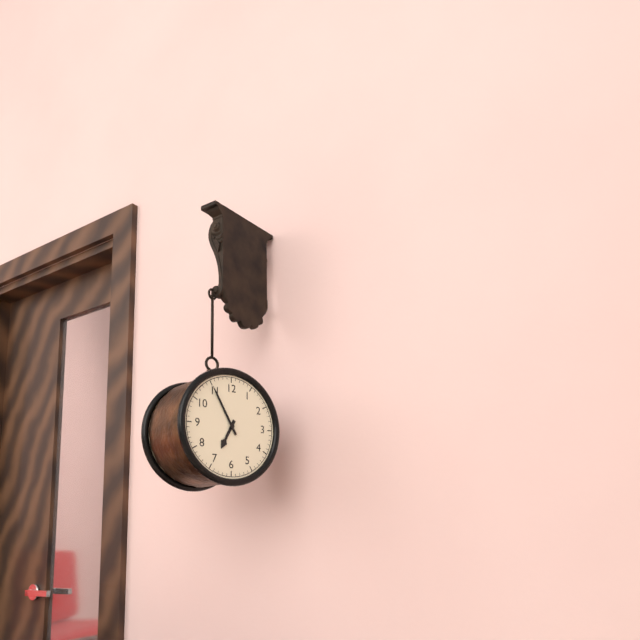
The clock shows **6:55**
